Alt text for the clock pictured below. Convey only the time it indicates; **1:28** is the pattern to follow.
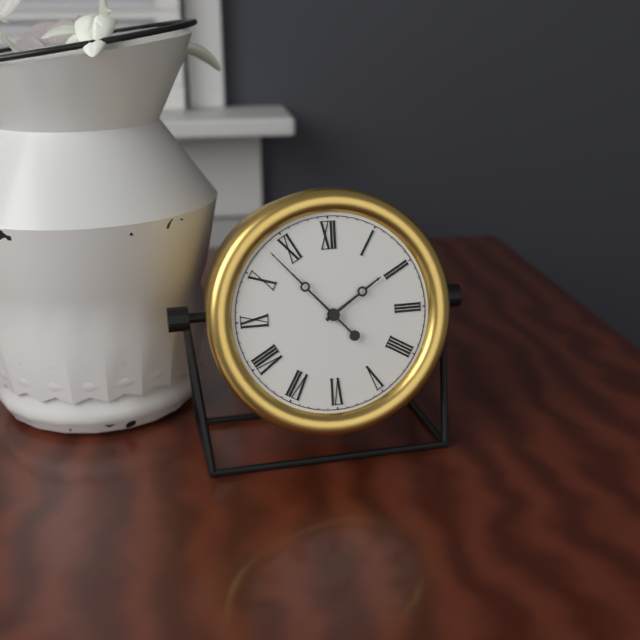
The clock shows **1:53**
